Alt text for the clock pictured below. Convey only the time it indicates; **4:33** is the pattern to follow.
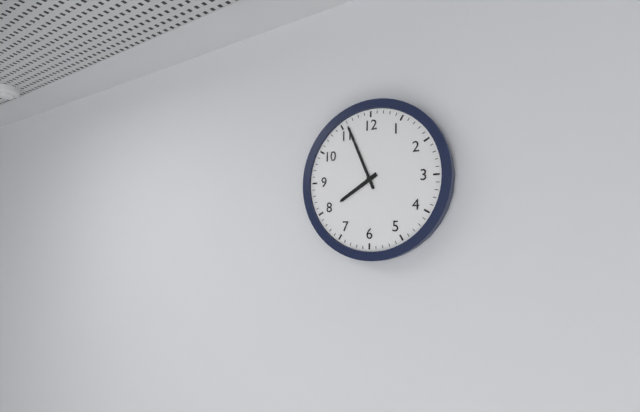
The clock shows **7:56**
